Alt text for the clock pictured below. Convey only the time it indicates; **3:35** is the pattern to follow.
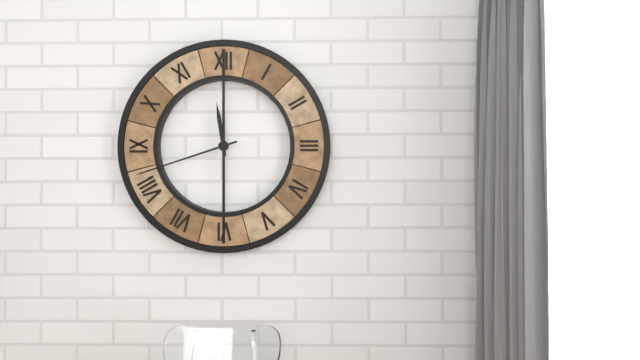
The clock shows **11:42**
